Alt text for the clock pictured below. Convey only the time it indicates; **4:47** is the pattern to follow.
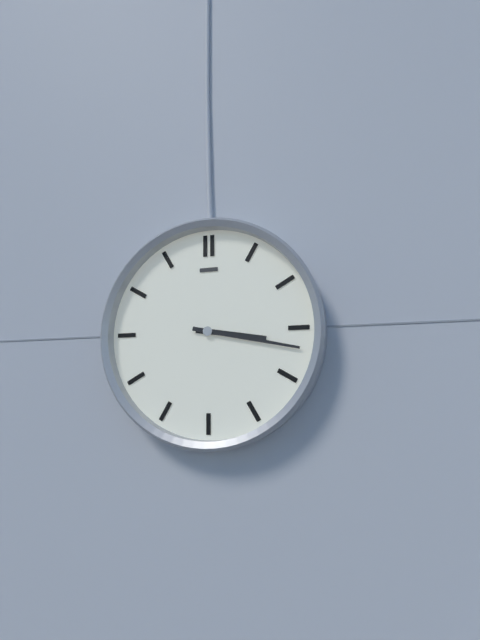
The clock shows **3:17**
